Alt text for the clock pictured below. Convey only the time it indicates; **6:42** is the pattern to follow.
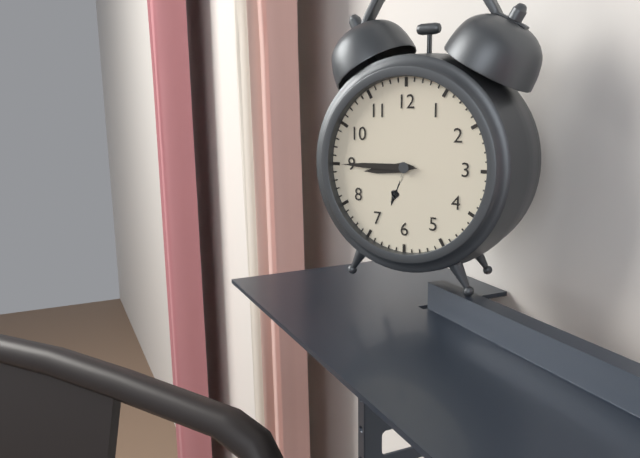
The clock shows **8:45**
